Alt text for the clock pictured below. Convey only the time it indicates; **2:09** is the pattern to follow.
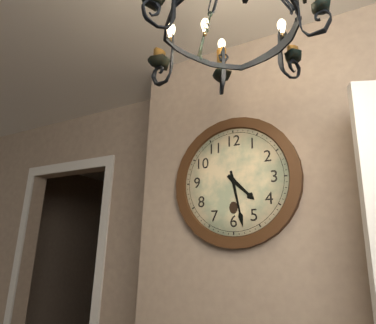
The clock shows **4:28**
